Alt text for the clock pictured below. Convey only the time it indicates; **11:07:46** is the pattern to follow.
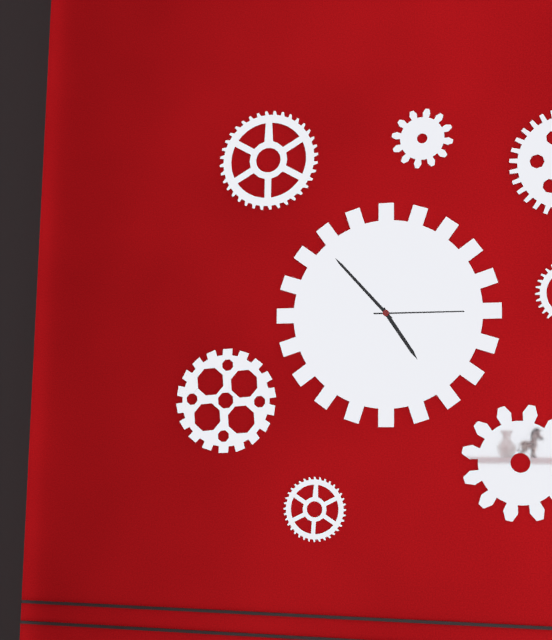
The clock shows **4:53:15**
